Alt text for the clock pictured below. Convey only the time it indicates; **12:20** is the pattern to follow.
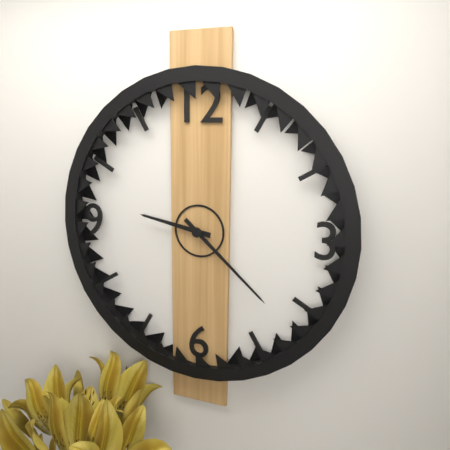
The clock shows **9:22**
